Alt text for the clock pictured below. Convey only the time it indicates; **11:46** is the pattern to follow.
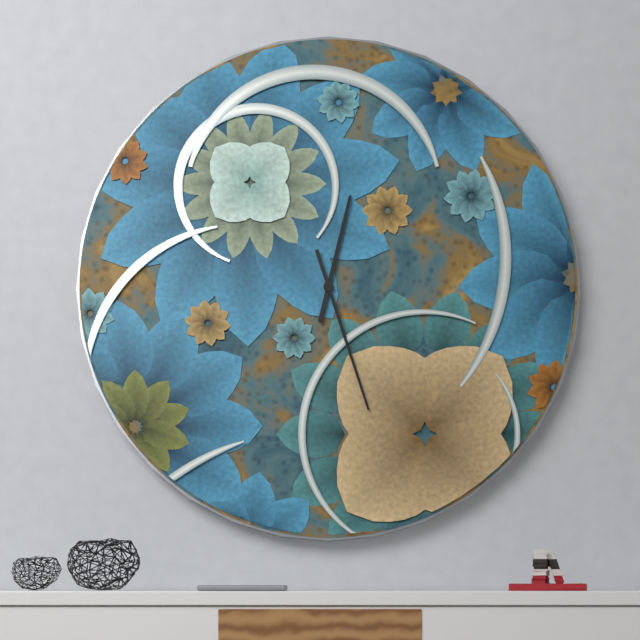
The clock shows **12:27**
